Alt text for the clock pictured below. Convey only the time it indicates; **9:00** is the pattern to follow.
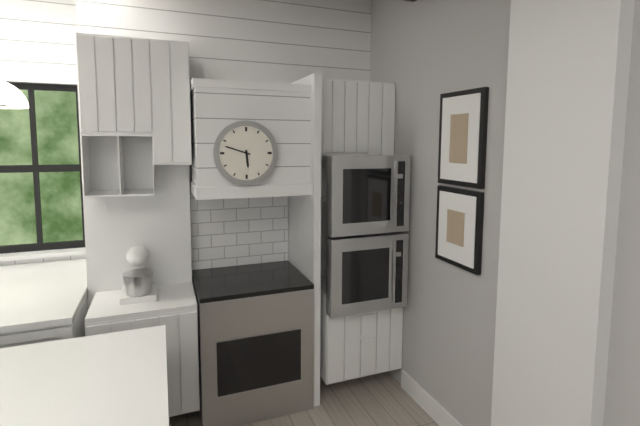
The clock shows **5:48**
